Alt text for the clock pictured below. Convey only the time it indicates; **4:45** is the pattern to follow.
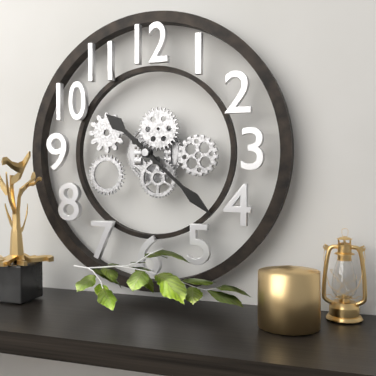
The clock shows **10:22**
